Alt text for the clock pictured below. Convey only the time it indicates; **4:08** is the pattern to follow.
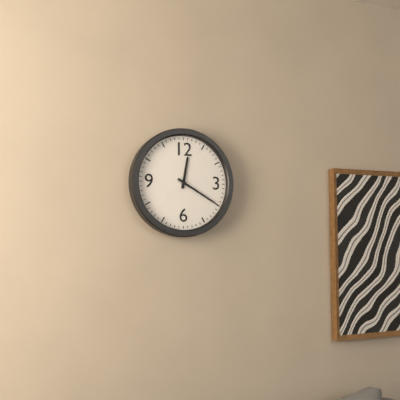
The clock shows **12:20**
